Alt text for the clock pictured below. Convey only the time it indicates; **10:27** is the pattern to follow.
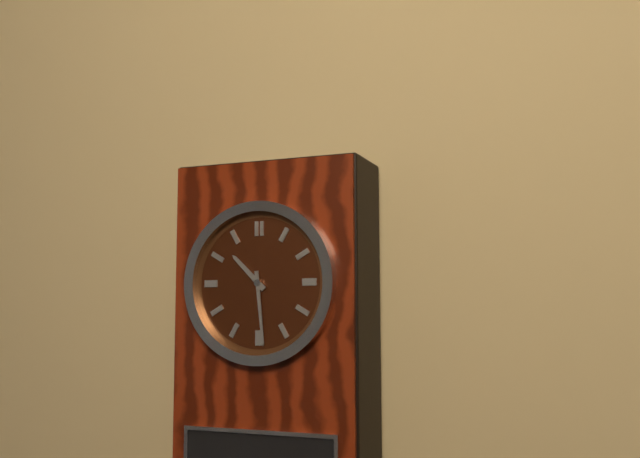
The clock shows **10:29**
